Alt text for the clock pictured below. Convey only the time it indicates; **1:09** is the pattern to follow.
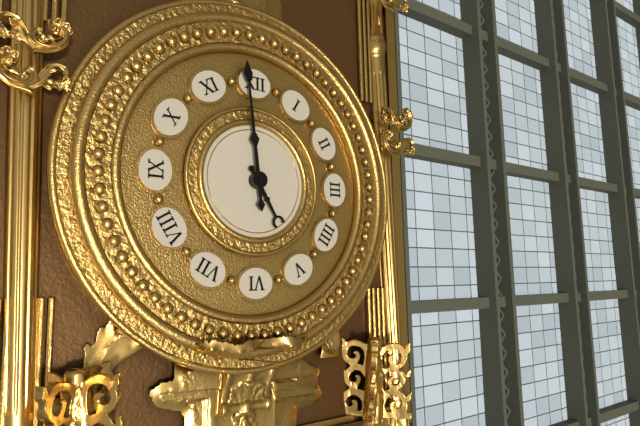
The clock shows **4:59**
